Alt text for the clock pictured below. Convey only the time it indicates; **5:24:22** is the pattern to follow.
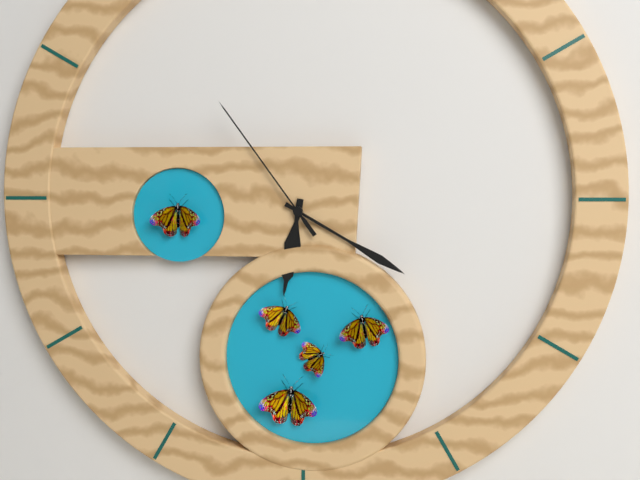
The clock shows **6:20:54**
